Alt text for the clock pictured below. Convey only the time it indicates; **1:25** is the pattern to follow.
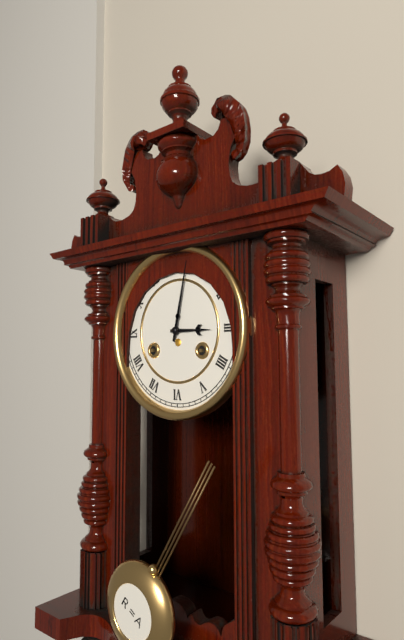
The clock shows **3:02**
